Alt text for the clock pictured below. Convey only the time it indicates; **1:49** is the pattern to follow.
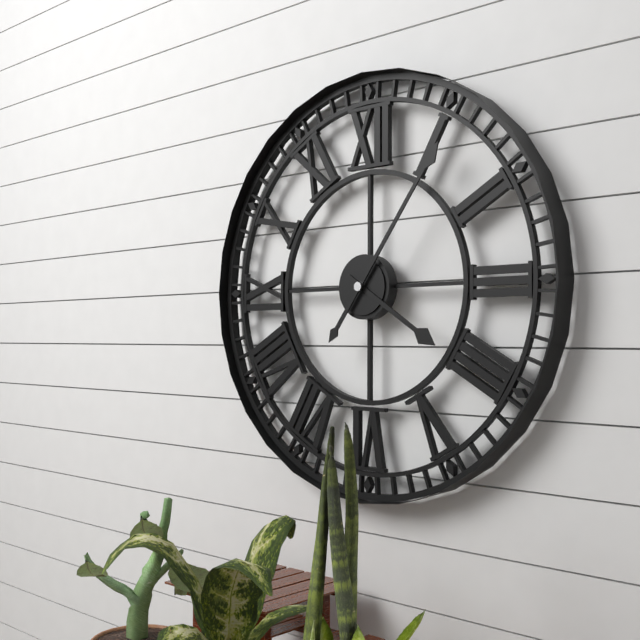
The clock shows **4:06**
